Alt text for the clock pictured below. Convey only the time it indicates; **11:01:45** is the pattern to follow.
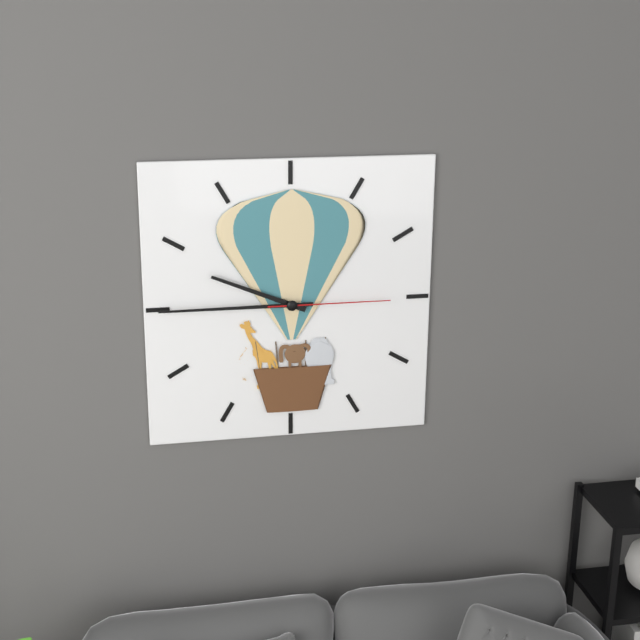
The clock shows **9:45:15**
